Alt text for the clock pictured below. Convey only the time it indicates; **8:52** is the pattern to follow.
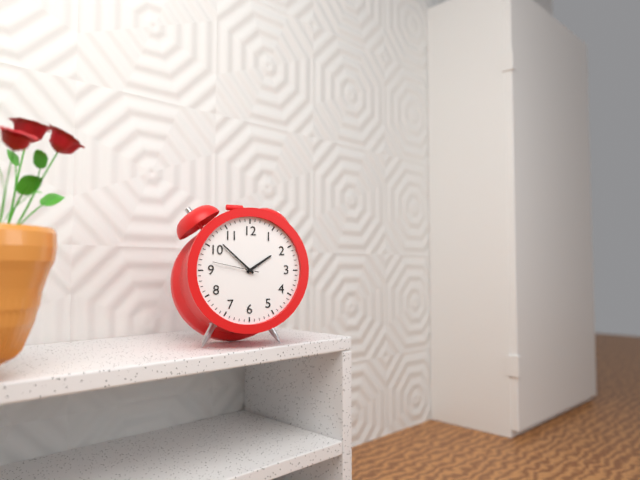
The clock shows **1:52**
